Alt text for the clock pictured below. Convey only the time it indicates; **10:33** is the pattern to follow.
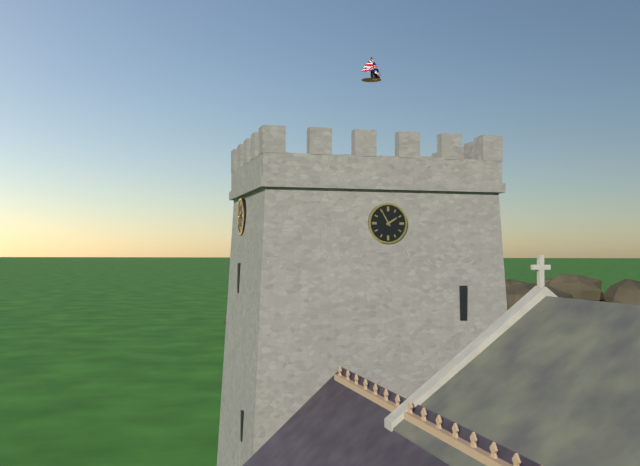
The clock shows **1:55**
